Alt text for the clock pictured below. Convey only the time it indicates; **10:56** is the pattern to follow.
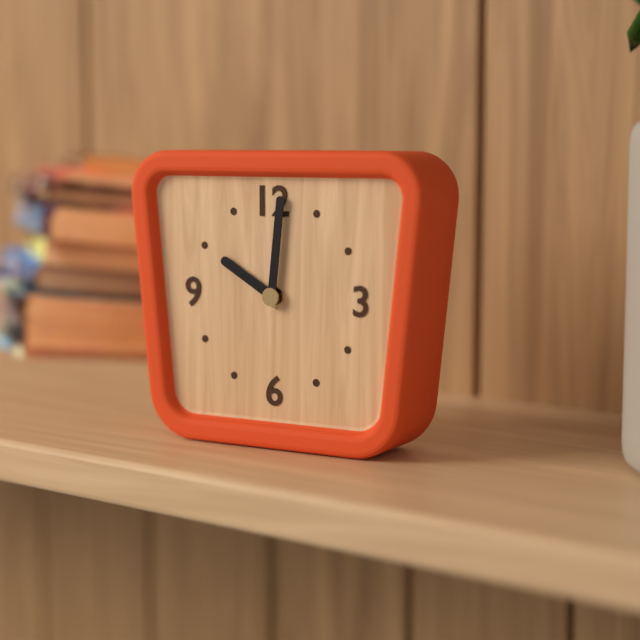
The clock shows **10:01**
